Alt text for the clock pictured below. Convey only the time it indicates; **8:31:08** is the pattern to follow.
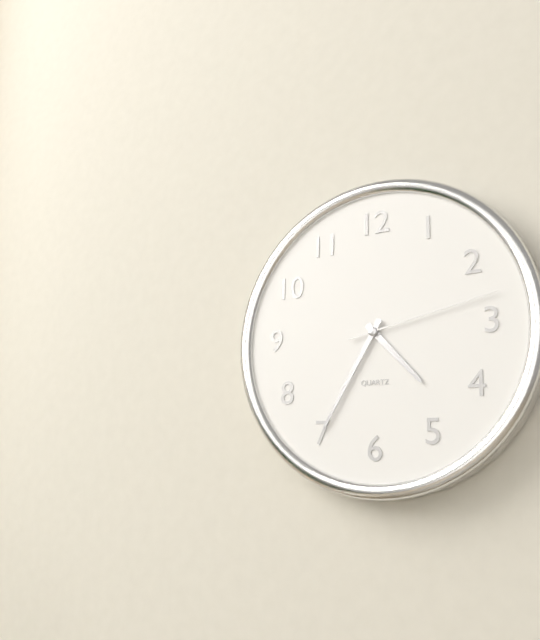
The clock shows **4:35:13**
